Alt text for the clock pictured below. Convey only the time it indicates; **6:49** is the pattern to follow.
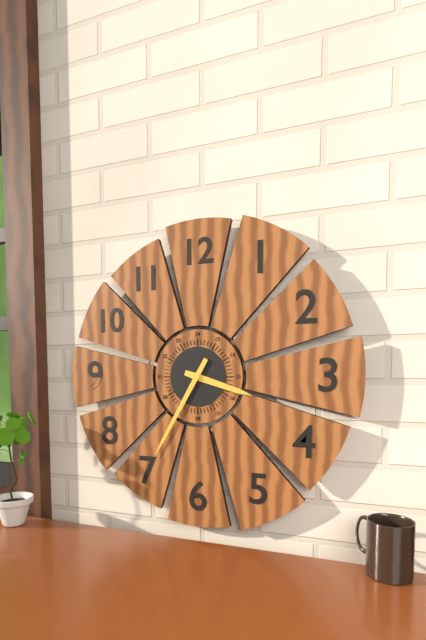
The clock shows **3:35**
